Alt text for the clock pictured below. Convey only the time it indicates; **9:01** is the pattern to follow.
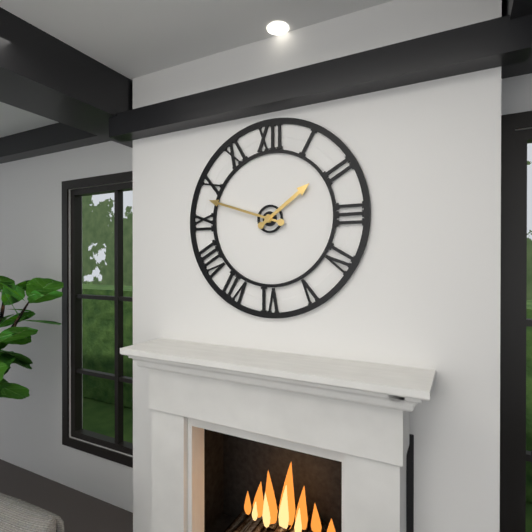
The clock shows **1:48**
